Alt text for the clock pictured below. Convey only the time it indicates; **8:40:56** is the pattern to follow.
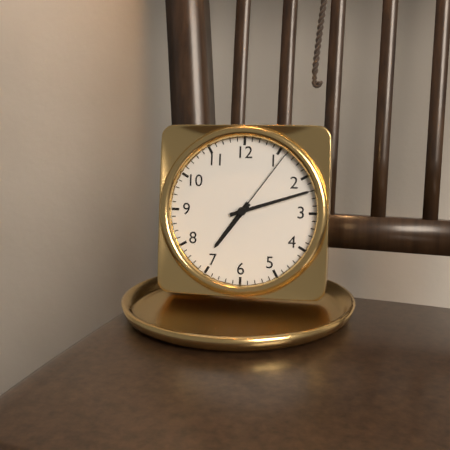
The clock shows **7:12:06**
